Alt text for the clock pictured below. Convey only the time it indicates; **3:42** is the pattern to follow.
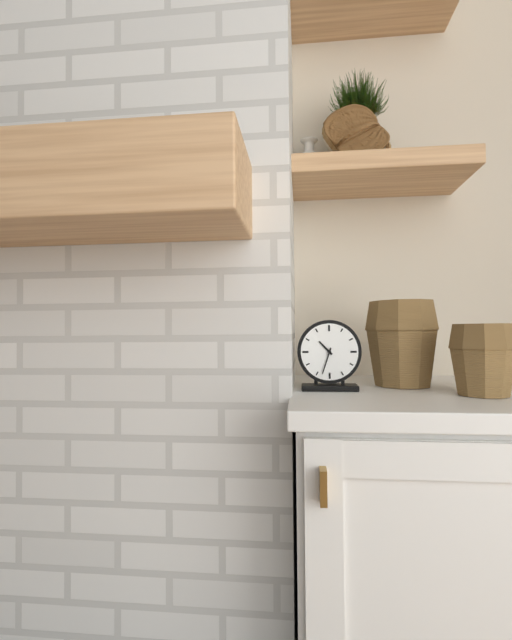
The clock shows **10:33**
